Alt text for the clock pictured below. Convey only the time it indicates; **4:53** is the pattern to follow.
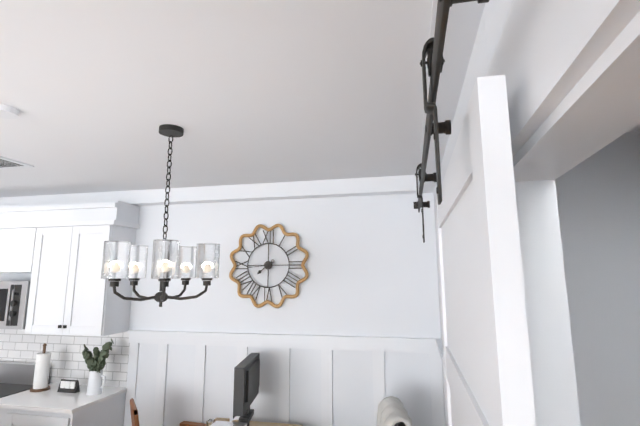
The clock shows **7:44**
